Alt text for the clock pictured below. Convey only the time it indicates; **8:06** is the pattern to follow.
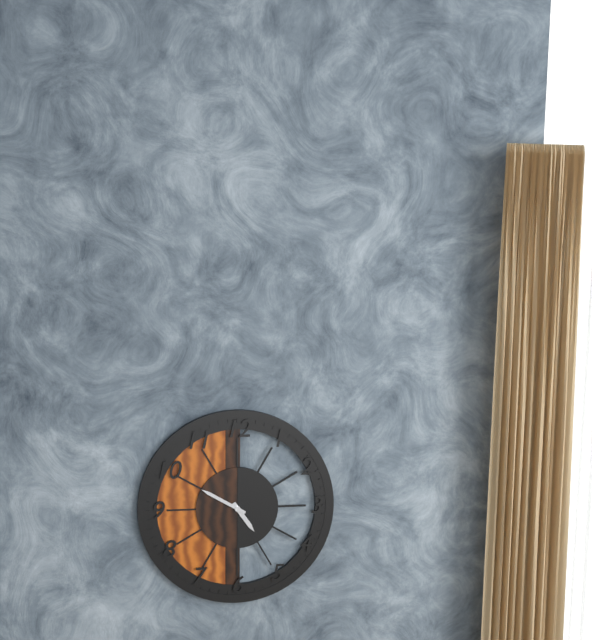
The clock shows **4:50**
